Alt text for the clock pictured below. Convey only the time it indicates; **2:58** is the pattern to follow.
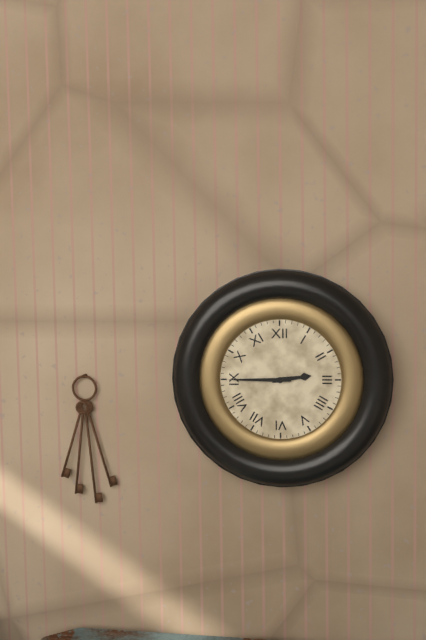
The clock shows **2:45**
